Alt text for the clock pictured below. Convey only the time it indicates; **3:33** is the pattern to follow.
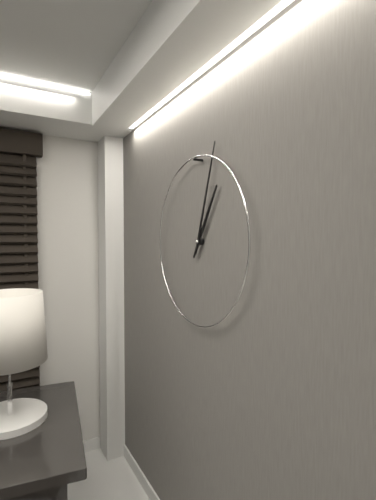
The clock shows **1:03**
